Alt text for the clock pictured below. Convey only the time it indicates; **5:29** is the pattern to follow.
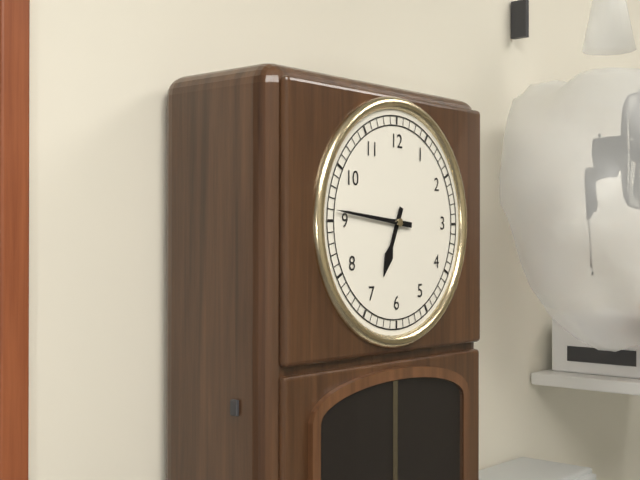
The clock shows **6:46**
